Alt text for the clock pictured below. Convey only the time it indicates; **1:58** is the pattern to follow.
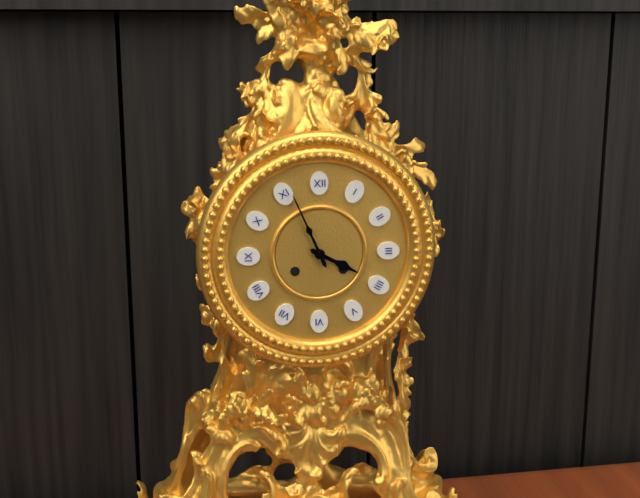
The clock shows **3:56**
